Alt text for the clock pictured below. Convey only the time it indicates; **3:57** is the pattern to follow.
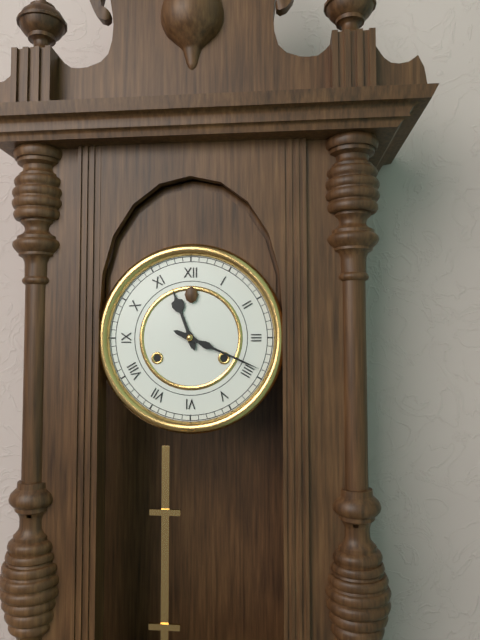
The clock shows **11:19**
